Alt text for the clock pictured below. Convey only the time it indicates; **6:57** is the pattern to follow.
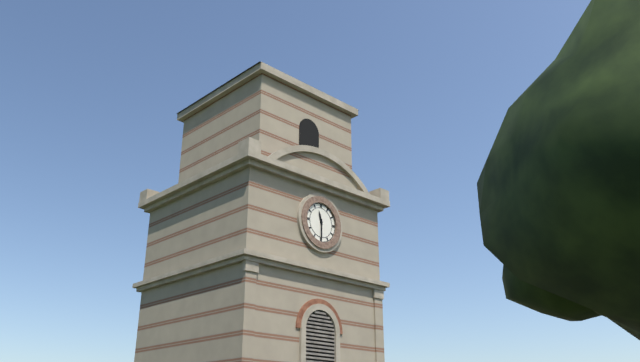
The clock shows **11:30**
